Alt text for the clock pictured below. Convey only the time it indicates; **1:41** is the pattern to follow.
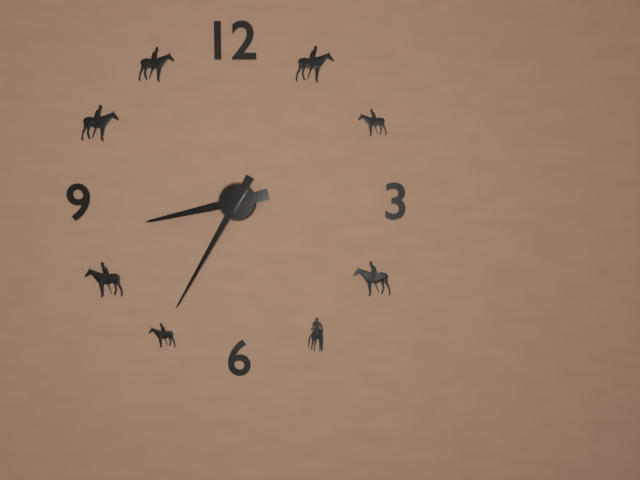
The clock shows **8:35**
